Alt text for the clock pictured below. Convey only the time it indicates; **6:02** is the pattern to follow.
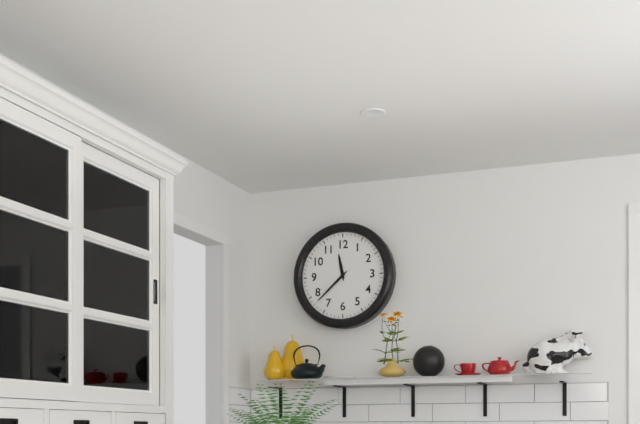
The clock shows **11:38**
